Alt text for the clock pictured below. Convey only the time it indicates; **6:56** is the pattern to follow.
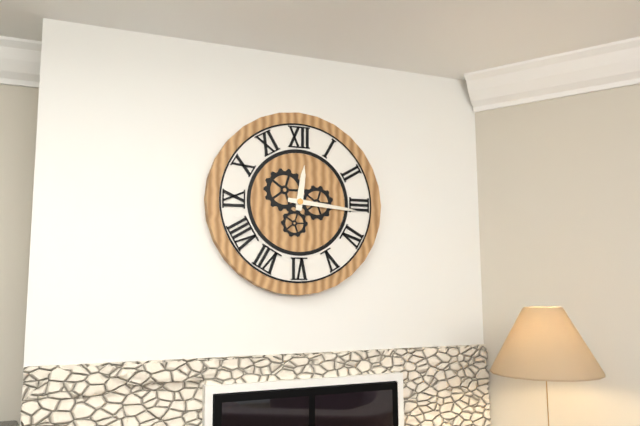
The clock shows **12:16**
